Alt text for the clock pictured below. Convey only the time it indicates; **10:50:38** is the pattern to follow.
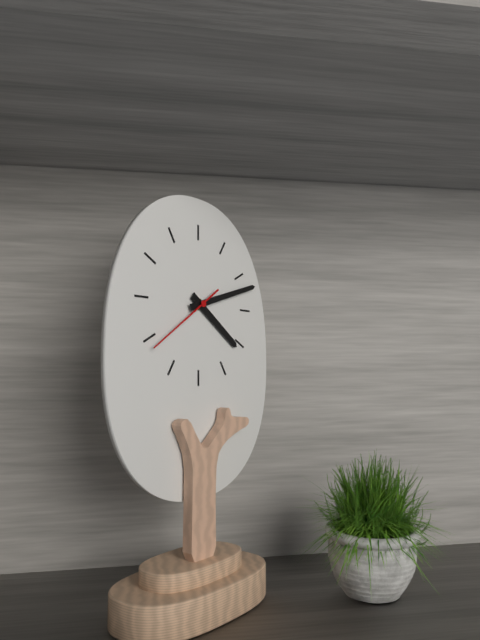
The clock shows **4:12:39**
